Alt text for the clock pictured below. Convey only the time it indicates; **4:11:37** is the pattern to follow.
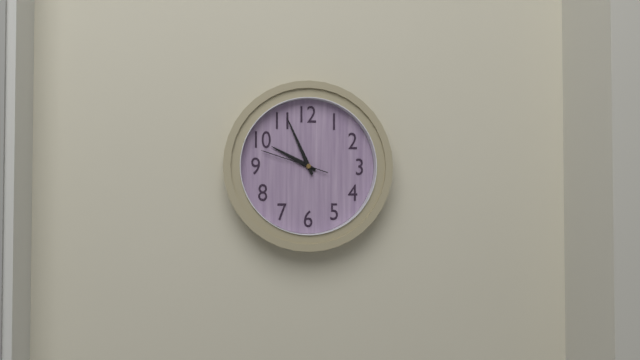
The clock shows **9:56:48**
